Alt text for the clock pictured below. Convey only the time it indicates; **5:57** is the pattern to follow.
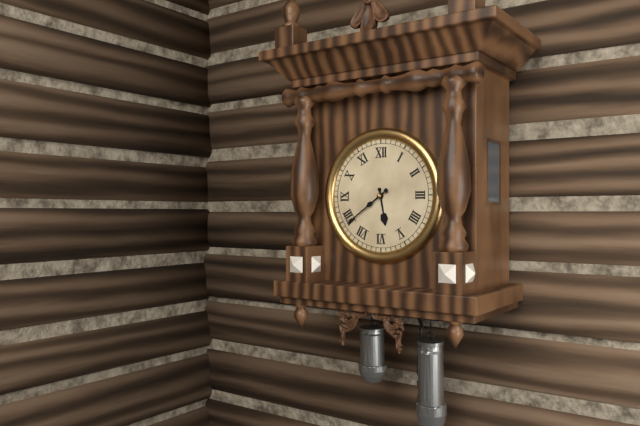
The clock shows **5:39**
